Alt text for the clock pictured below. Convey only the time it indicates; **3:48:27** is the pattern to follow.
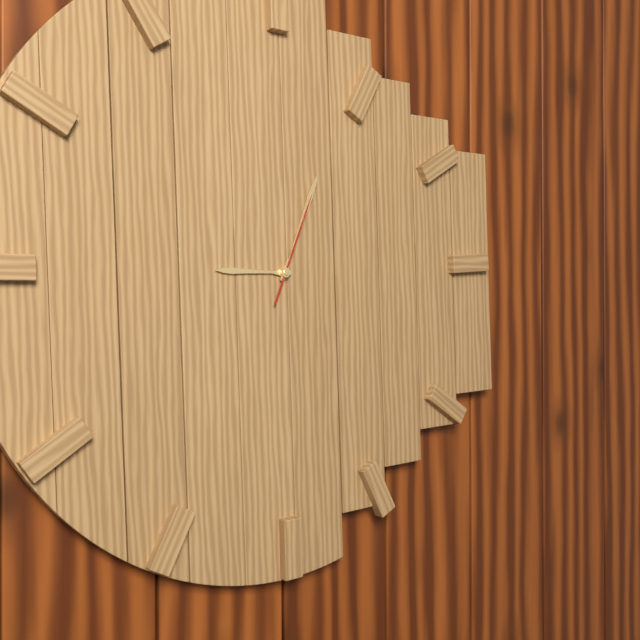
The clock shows **9:04:04**
